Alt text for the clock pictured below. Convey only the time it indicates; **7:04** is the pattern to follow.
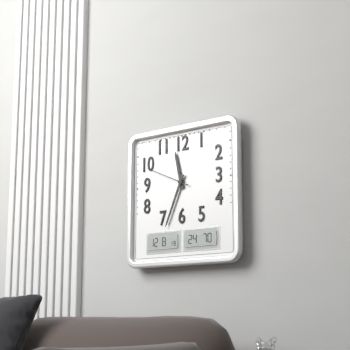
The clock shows **11:34**
